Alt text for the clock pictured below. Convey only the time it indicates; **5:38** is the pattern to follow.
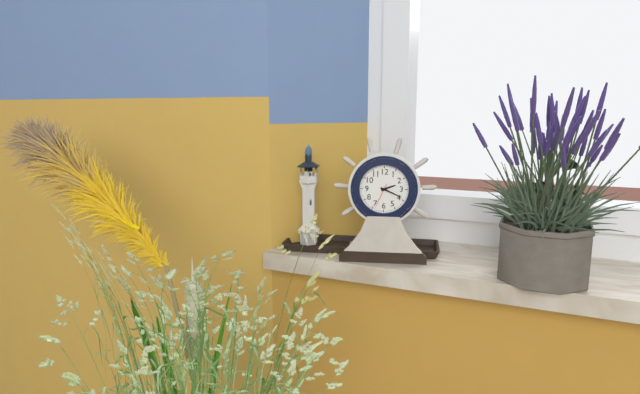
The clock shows **2:19**
